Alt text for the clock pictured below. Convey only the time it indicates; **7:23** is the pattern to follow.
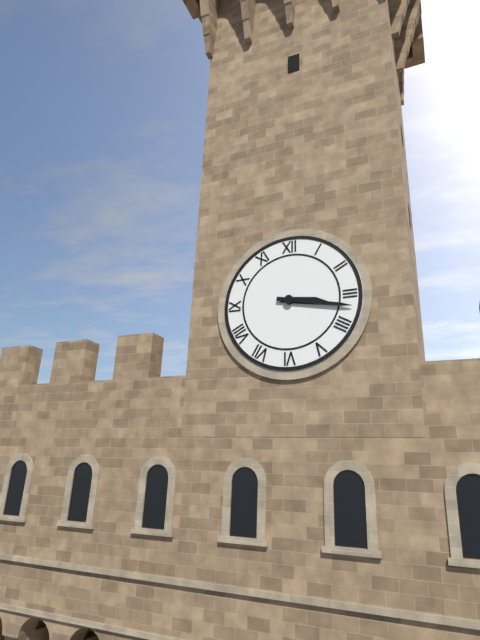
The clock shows **3:17**
